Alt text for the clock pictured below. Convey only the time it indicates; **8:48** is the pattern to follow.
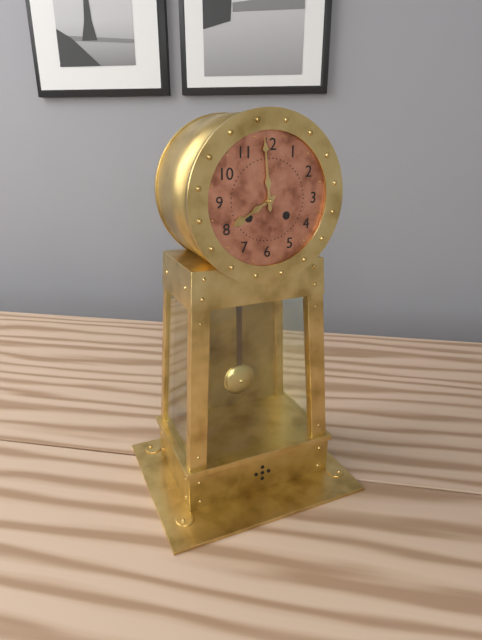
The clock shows **7:59**
